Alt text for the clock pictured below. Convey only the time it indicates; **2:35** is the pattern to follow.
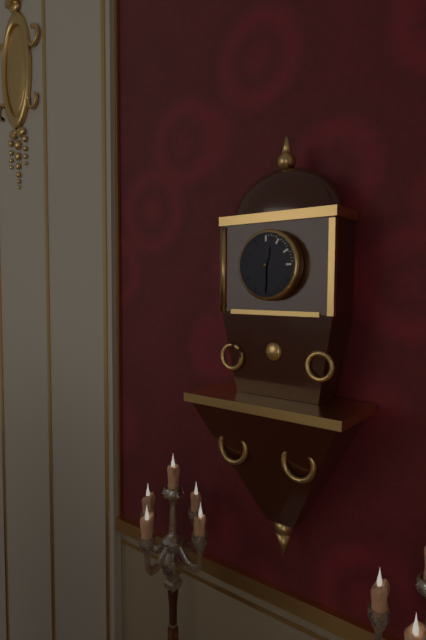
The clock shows **12:30**
